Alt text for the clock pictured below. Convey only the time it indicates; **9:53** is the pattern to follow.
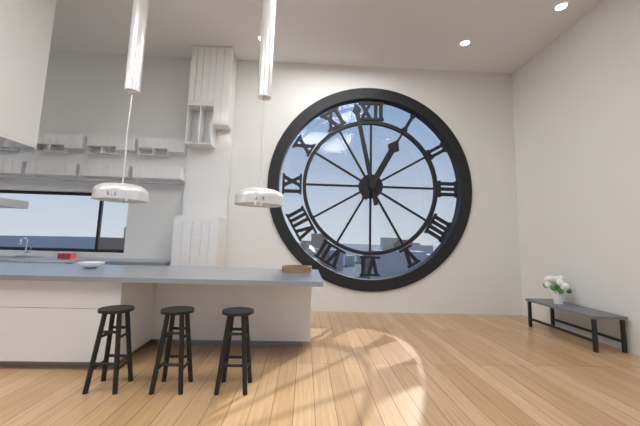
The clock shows **12:58**
